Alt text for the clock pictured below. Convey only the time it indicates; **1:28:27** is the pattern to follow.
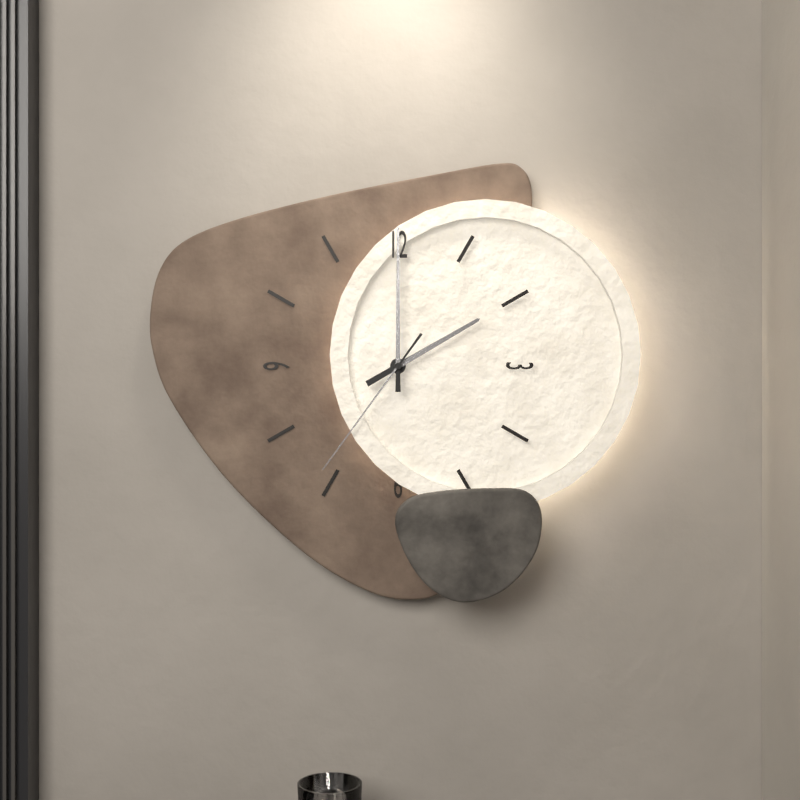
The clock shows **2:00:36**
